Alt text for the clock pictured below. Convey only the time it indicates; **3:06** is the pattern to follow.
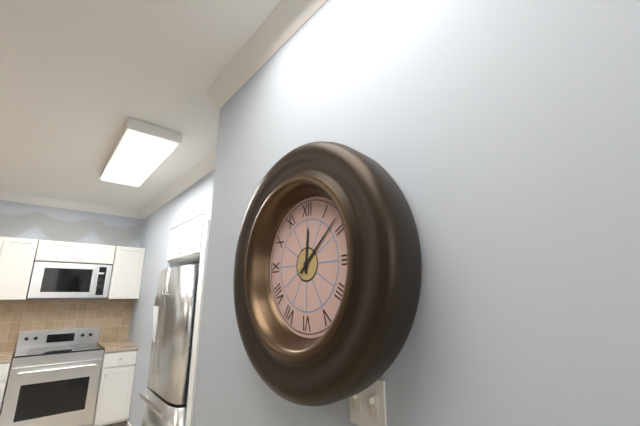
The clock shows **12:08**
